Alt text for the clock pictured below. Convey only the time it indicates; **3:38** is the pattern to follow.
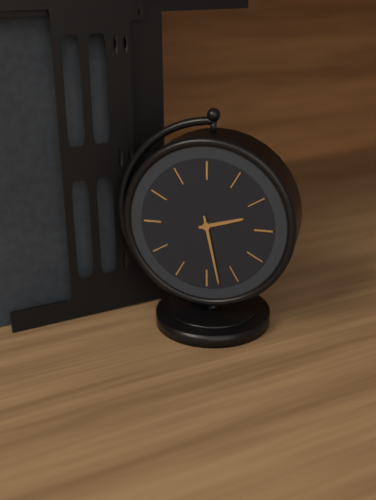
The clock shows **2:28**
